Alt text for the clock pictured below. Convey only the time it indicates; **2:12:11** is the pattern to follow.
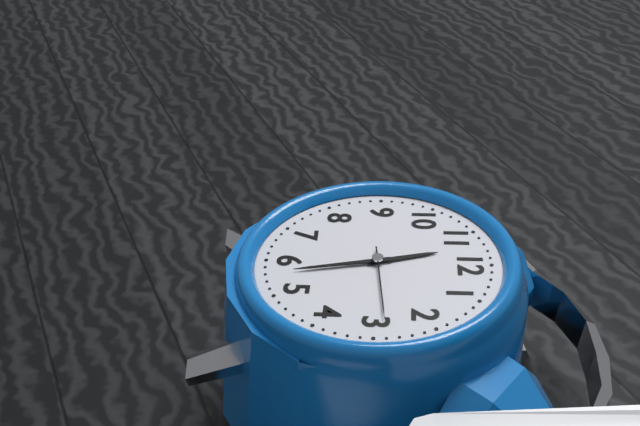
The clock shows **11:28:14**
